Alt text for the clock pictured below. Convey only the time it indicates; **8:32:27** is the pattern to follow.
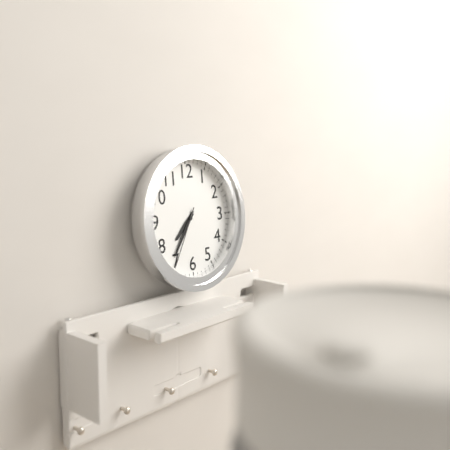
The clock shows **7:36:35**
